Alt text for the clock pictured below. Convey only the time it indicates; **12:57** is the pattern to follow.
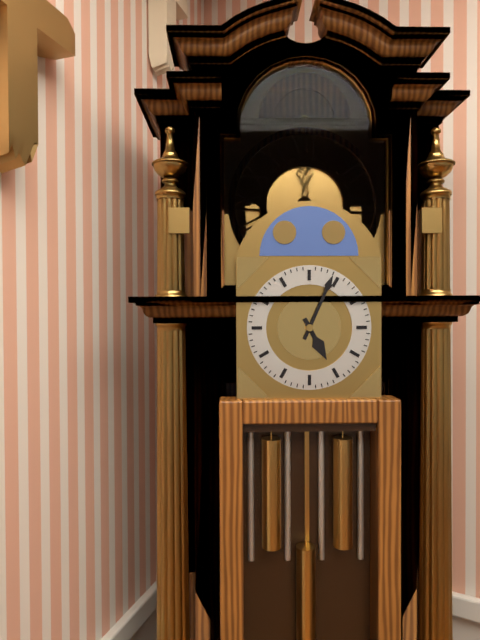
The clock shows **5:04**
